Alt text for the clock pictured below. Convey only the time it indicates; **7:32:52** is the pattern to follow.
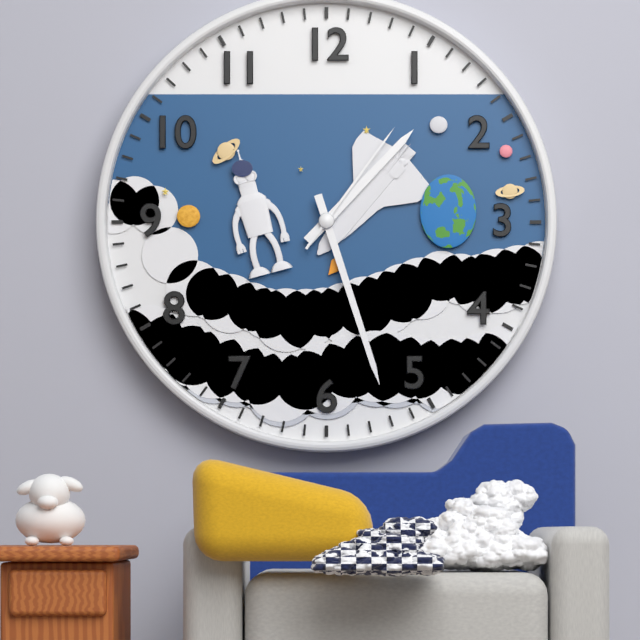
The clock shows **1:27:06**
